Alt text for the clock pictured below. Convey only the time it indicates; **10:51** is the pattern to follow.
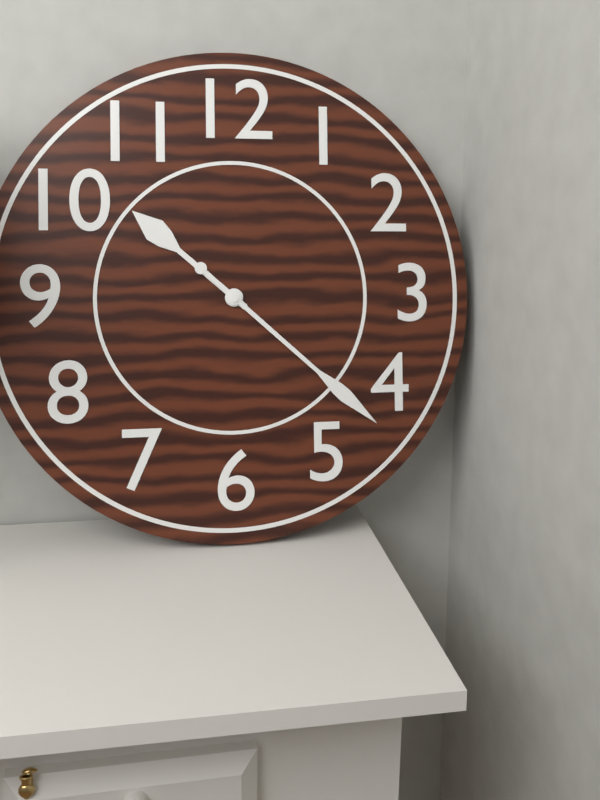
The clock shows **10:22**
